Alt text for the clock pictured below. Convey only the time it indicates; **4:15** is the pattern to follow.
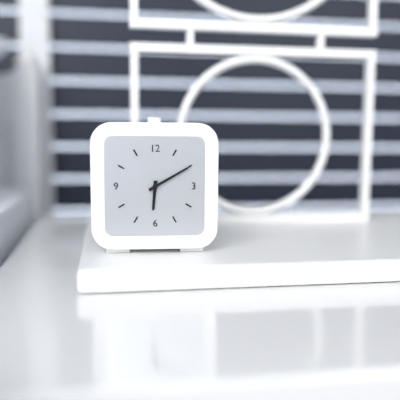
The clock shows **6:10**
